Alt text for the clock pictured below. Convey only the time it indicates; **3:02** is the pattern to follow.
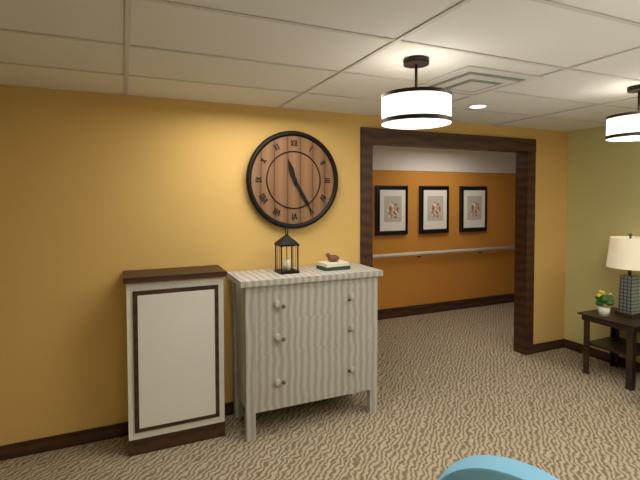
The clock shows **11:25**
